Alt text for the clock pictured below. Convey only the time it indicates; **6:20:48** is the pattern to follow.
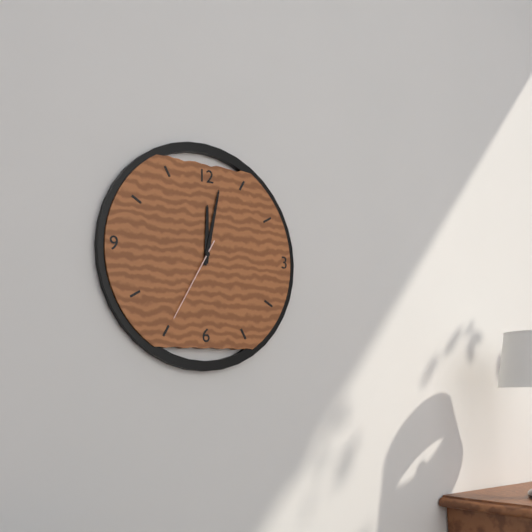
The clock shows **12:02:35**
